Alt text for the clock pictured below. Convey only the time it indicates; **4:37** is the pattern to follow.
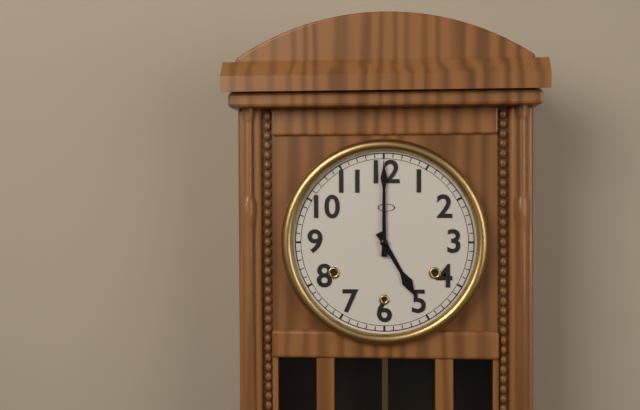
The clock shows **5:00**
